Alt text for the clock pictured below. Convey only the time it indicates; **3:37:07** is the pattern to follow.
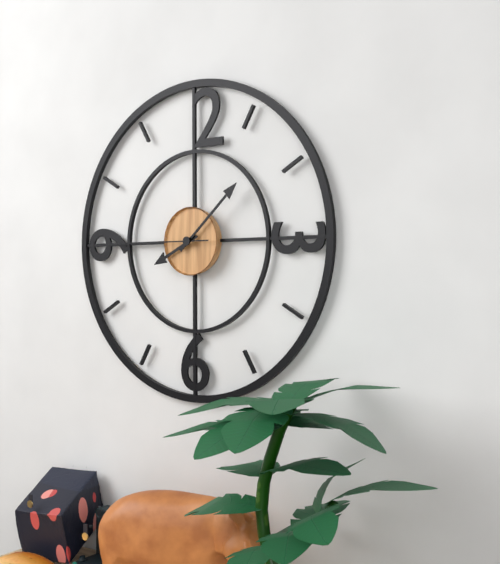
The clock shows **8:08:45**
